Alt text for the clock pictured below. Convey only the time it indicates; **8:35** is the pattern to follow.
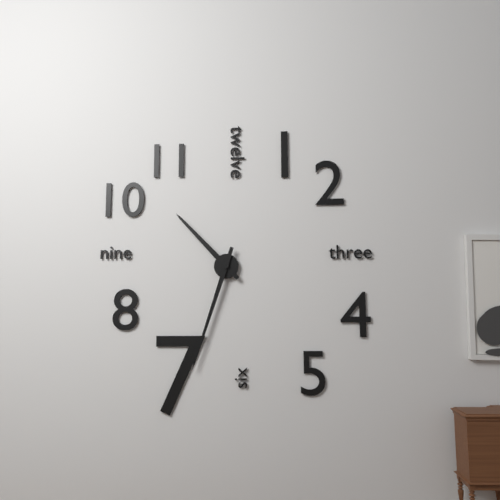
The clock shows **10:33**
